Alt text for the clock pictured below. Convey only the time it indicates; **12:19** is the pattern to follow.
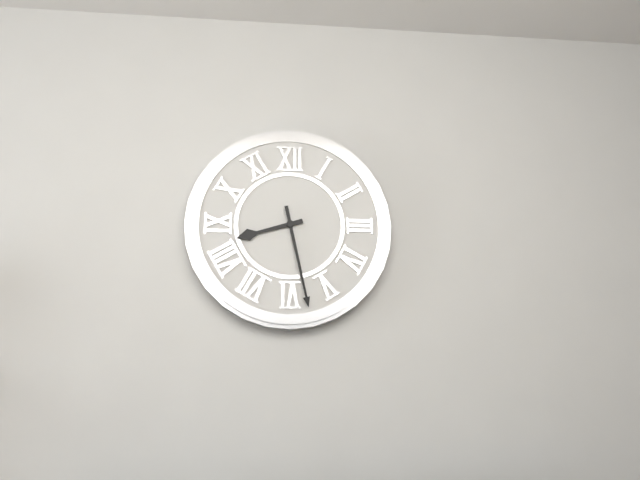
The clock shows **8:28**
